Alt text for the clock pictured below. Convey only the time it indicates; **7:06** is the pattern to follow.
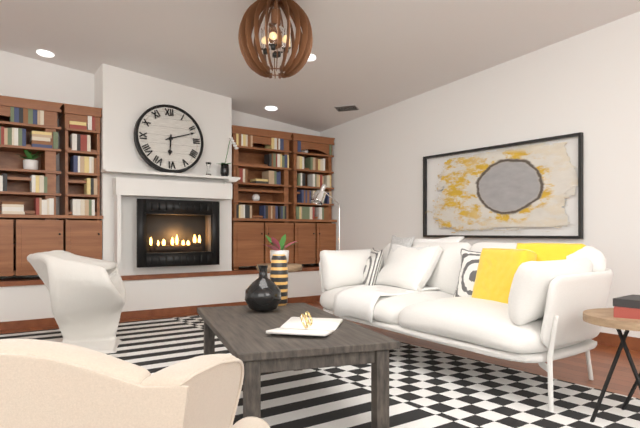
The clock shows **6:12**
